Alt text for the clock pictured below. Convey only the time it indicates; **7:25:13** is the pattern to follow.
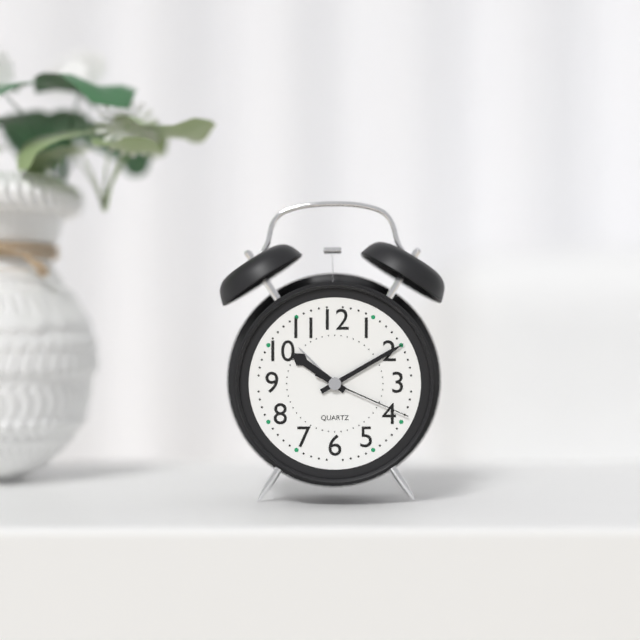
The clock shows **10:10:19**
